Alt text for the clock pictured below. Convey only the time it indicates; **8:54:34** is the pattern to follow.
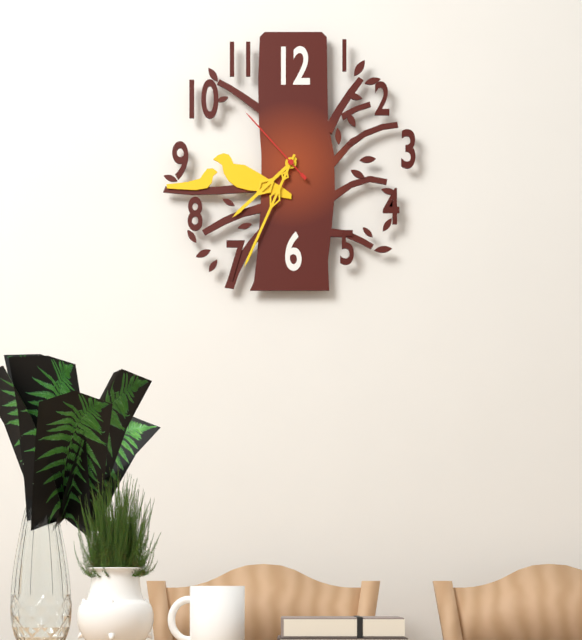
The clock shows **7:34:53**
